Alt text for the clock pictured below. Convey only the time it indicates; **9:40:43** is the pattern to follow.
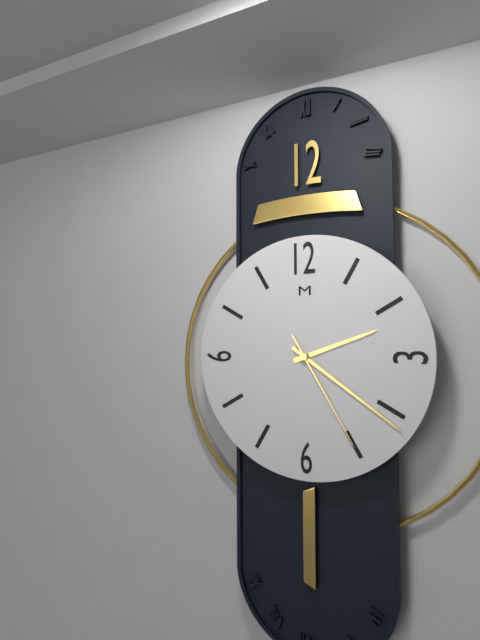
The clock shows **2:21:25**
